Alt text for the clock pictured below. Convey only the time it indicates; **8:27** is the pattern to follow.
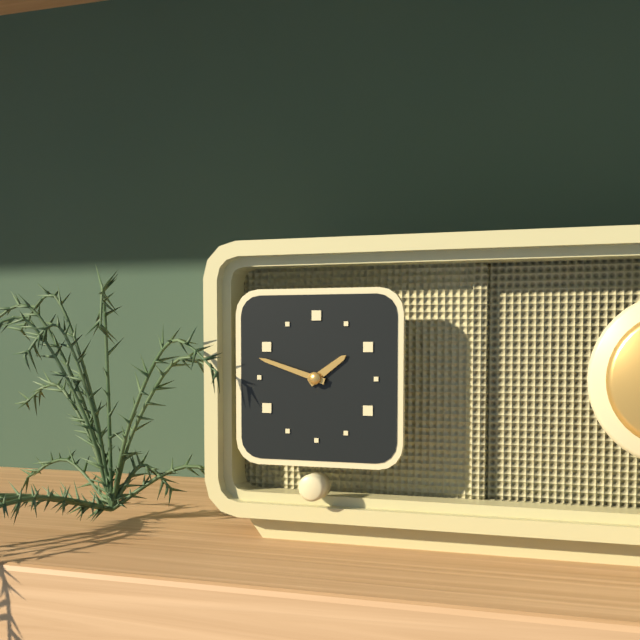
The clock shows **1:48**
